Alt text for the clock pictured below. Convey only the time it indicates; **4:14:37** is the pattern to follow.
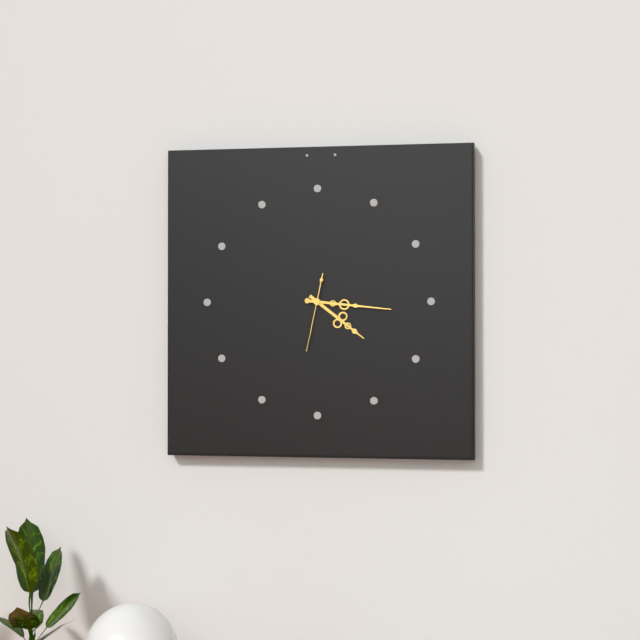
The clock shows **4:16:32**
